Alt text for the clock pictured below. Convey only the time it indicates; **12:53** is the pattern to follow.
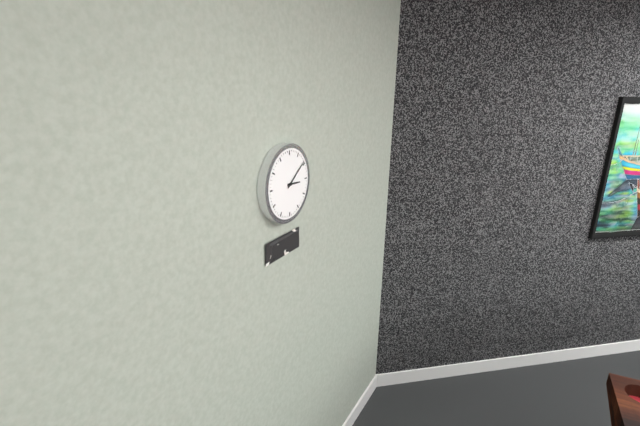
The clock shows **3:09**
